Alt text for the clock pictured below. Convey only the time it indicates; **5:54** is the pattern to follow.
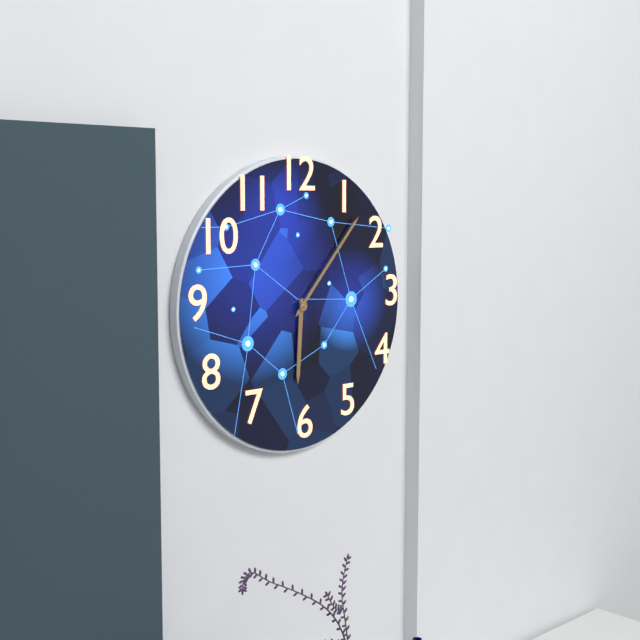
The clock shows **6:07**
